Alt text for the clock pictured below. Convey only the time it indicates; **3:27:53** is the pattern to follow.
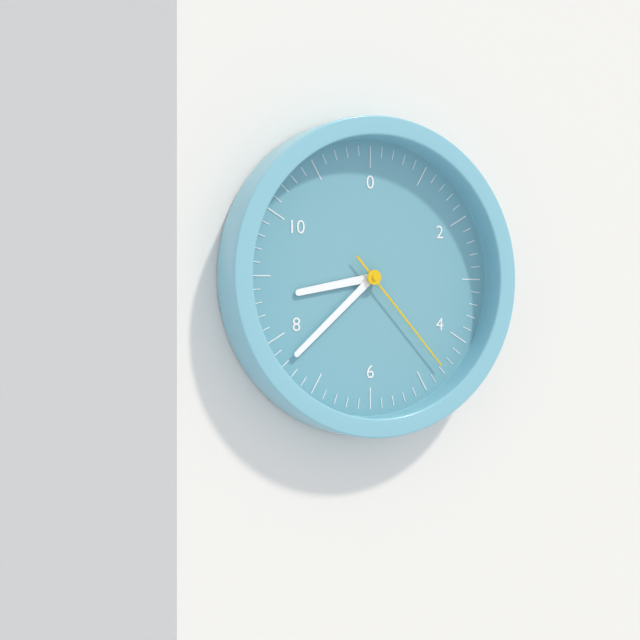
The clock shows **8:38:23**
